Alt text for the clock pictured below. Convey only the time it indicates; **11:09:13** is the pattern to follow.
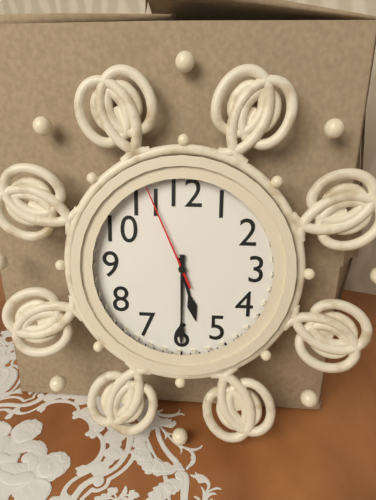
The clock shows **5:30:56**
